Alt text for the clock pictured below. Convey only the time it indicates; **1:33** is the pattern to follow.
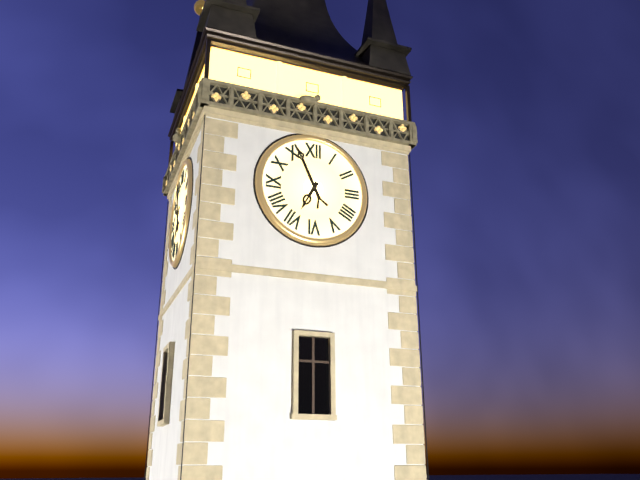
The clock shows **6:56**
